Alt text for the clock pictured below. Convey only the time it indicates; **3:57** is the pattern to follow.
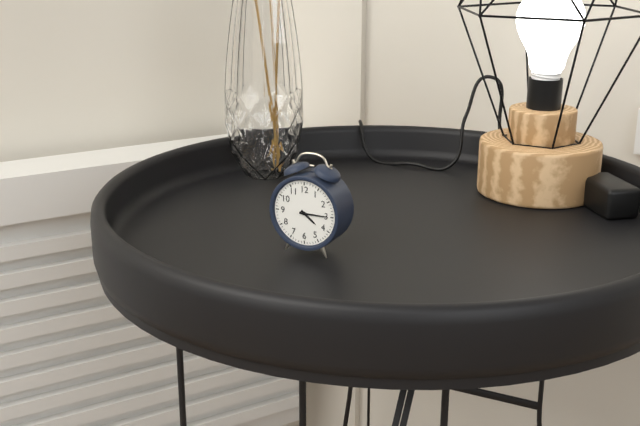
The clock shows **4:15**
